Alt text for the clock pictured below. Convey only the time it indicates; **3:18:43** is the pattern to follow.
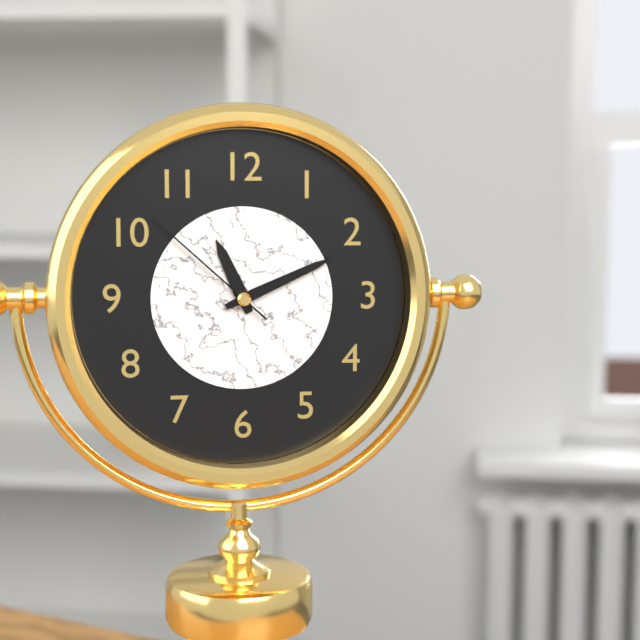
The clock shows **11:11:52**
